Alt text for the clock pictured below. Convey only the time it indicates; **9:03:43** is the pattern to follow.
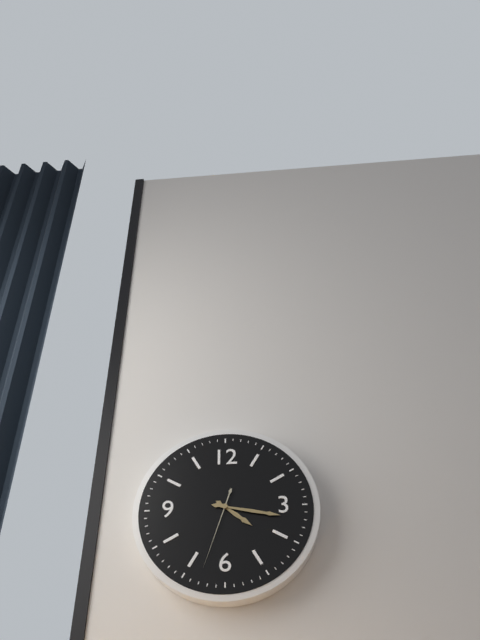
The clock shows **4:17:33**
